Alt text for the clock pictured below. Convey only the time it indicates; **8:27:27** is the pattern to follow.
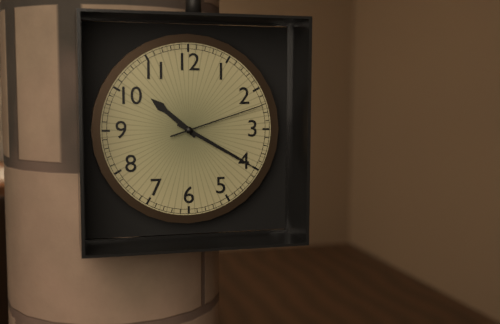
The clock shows **10:20:12**
